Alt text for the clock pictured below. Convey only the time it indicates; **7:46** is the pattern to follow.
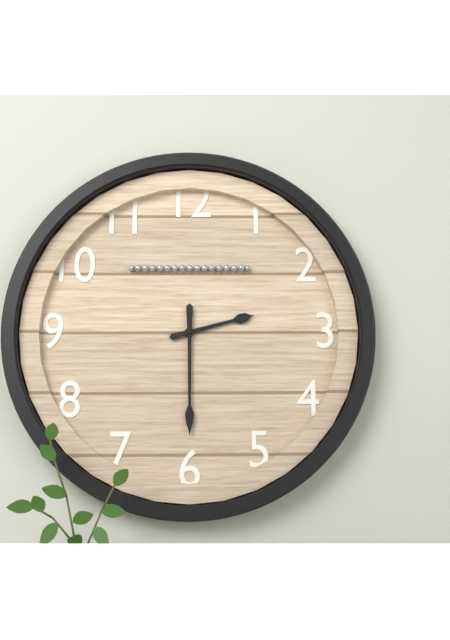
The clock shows **2:30**
